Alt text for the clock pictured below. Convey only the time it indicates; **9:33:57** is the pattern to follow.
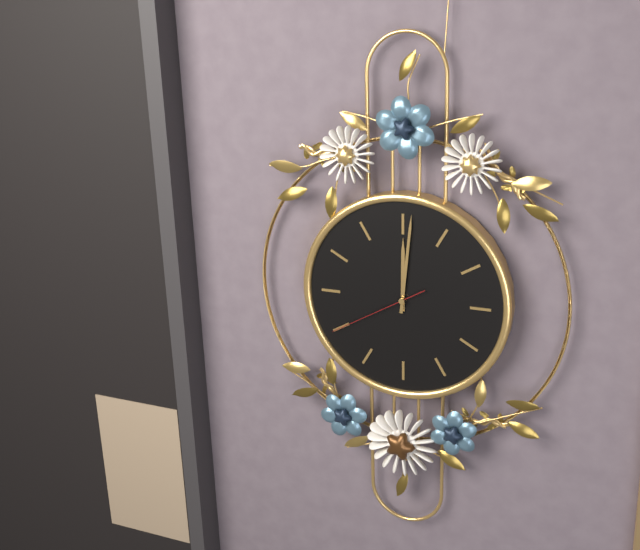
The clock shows **12:01:40**
